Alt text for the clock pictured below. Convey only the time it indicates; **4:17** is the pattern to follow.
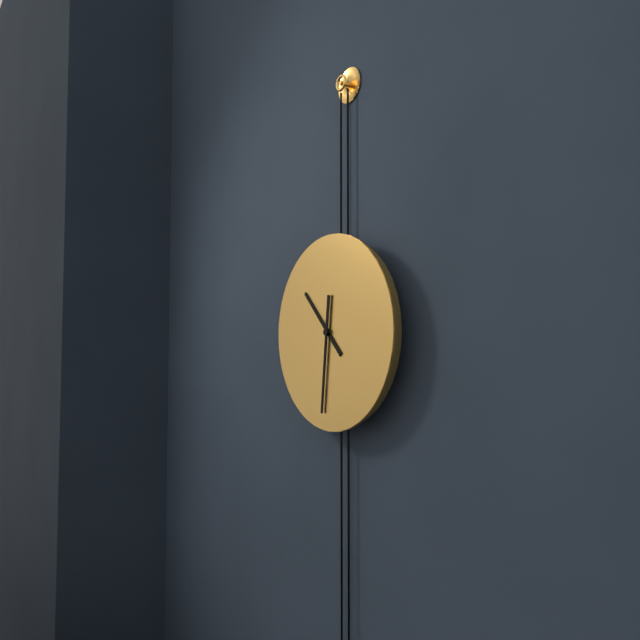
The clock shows **10:31**
